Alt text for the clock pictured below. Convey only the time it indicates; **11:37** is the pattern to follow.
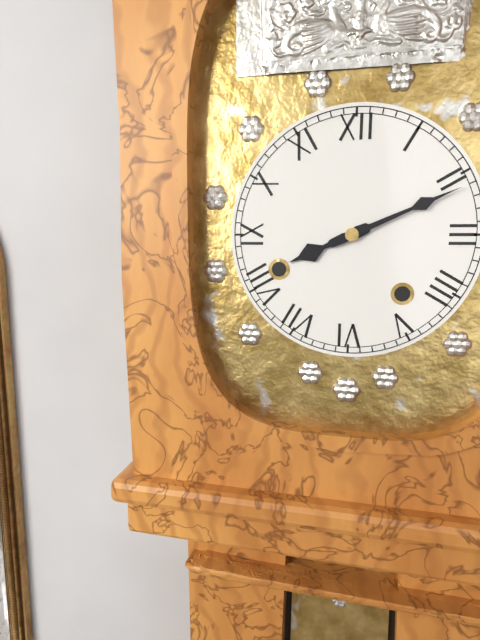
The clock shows **8:11**
